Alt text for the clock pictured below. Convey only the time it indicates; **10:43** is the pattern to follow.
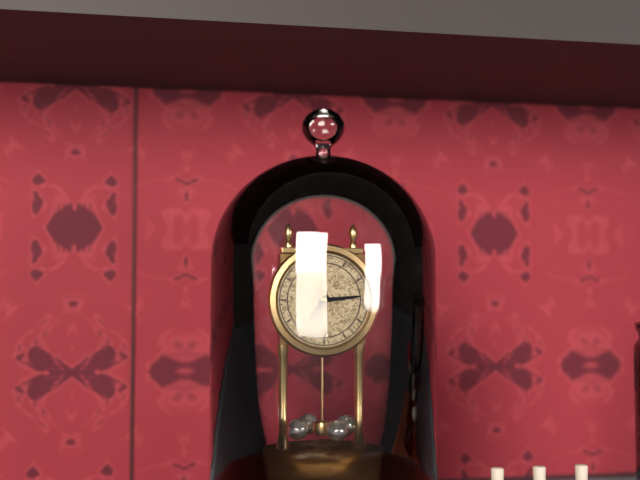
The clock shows **7:14**
